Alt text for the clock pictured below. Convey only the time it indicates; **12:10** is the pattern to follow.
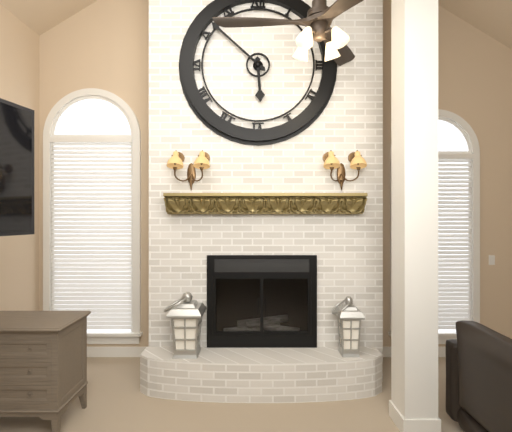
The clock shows **5:52**
